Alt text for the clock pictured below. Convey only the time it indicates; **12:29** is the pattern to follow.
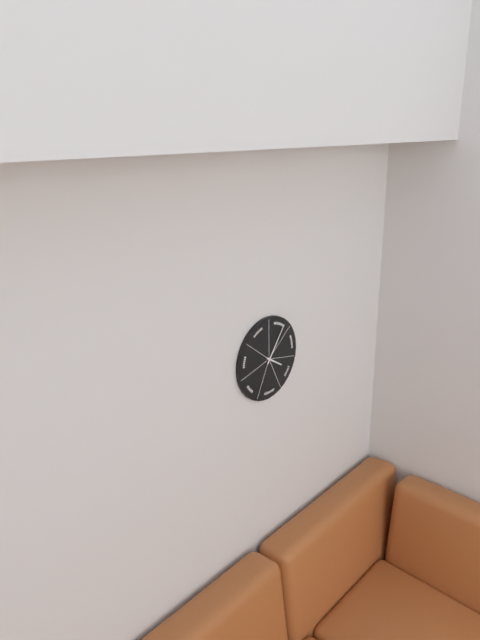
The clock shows **4:06**
